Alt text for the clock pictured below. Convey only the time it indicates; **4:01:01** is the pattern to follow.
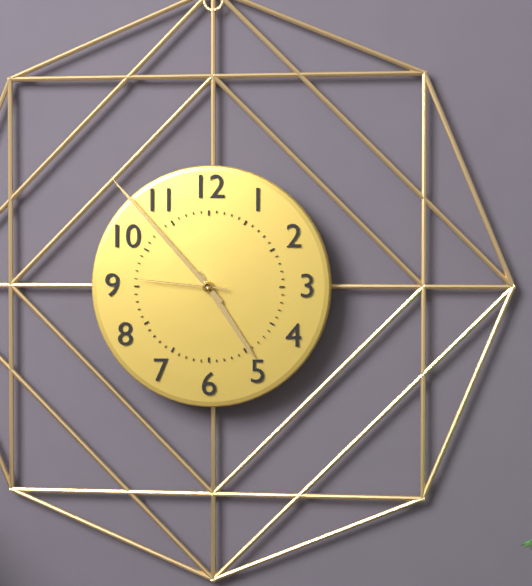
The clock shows **4:53:46**
